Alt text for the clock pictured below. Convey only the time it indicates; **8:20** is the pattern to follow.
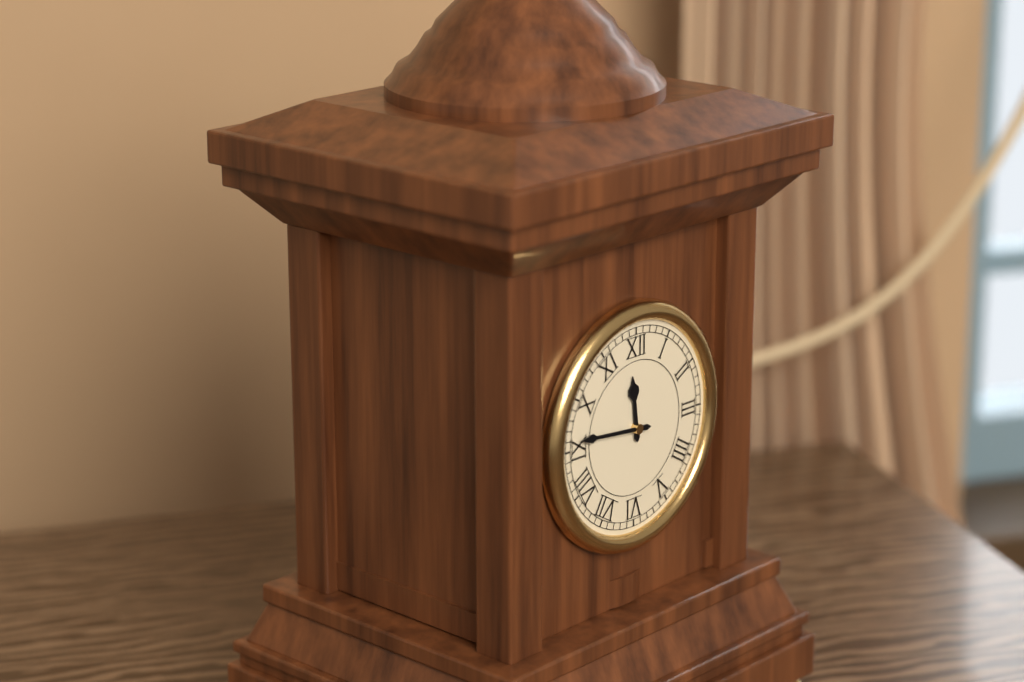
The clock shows **11:46**
